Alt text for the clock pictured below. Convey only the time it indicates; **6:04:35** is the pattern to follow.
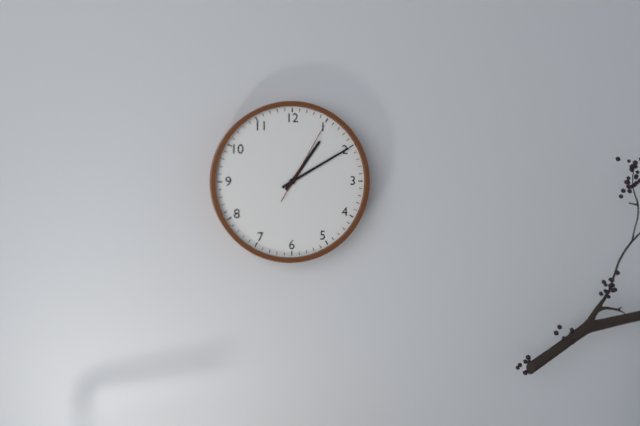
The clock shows **1:10:05**
